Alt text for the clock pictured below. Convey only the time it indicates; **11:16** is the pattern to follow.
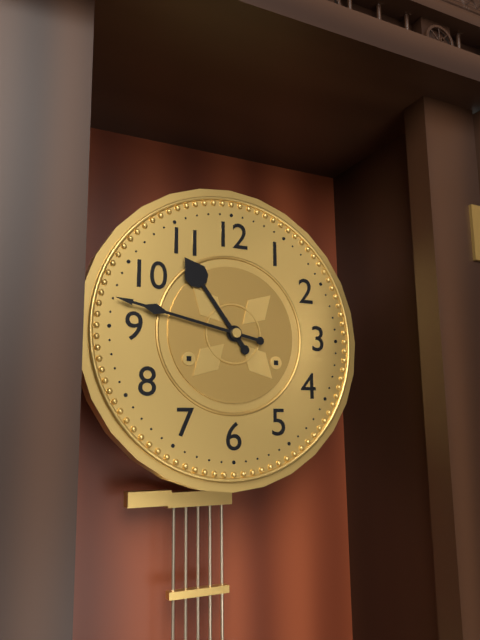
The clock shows **10:47**
